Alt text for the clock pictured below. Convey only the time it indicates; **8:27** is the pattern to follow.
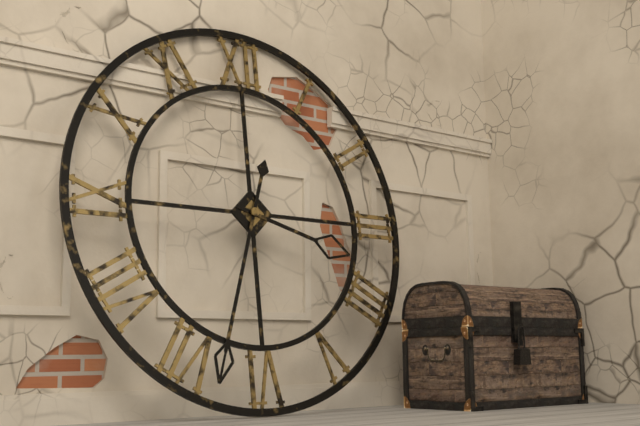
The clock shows **3:33**
